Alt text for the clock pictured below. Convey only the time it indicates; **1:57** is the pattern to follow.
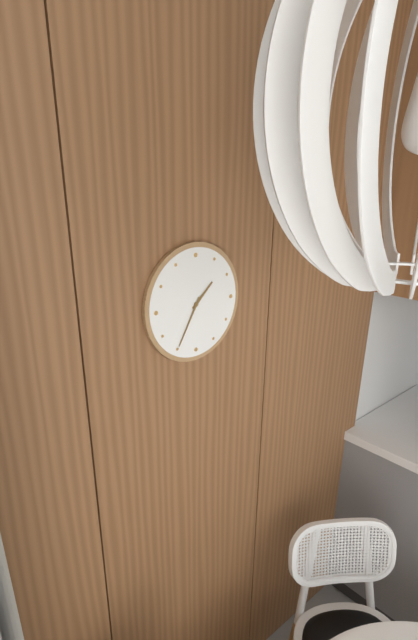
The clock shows **1:35**
